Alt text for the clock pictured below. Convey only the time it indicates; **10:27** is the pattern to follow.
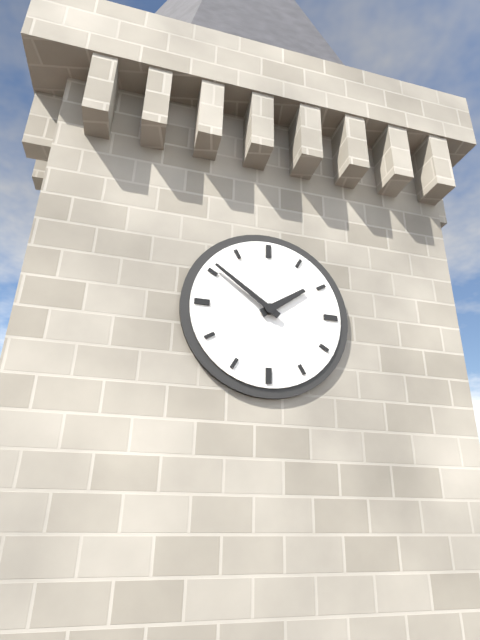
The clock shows **1:51**
